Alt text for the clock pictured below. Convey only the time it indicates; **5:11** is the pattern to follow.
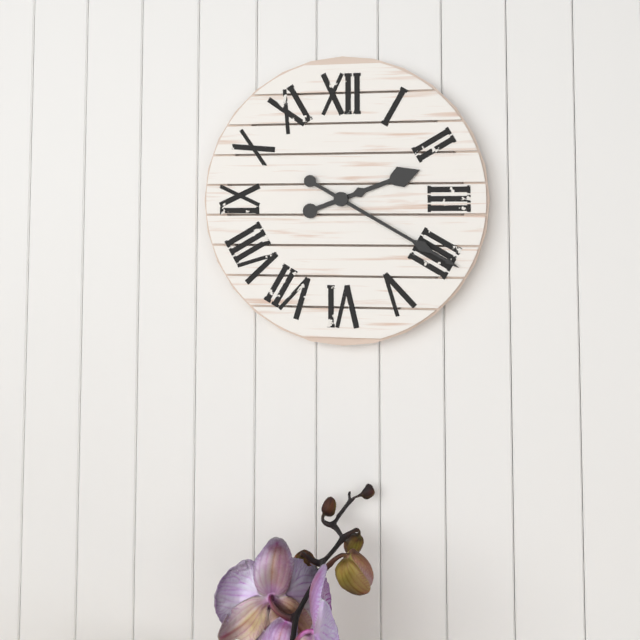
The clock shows **2:20**
